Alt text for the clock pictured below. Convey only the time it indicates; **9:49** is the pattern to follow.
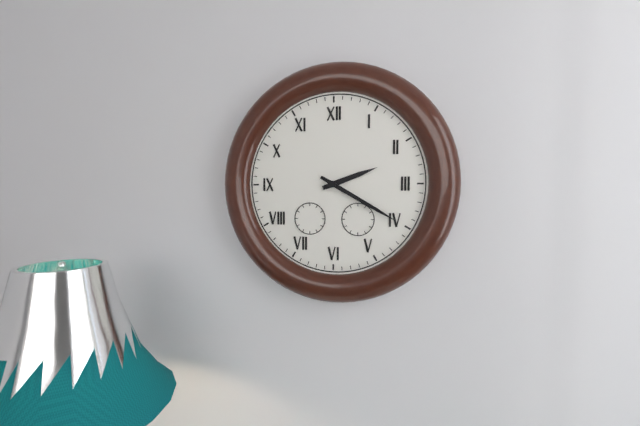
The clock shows **2:20**
